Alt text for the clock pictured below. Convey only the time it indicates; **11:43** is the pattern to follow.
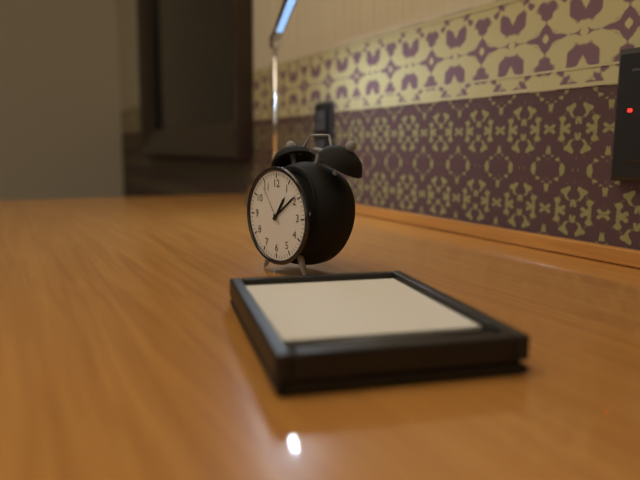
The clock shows **1:09**
